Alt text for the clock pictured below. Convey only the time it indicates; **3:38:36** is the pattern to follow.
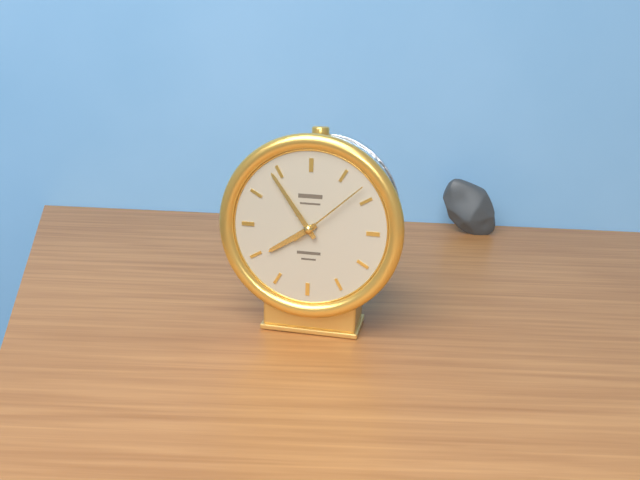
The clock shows **7:54:08**
